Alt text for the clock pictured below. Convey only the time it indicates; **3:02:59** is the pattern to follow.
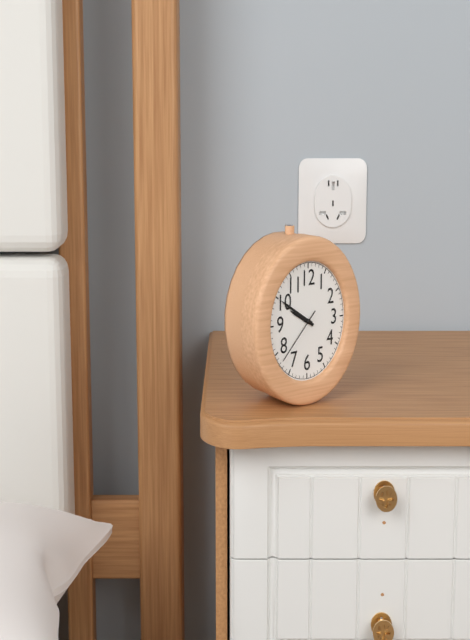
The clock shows **9:50:38**
